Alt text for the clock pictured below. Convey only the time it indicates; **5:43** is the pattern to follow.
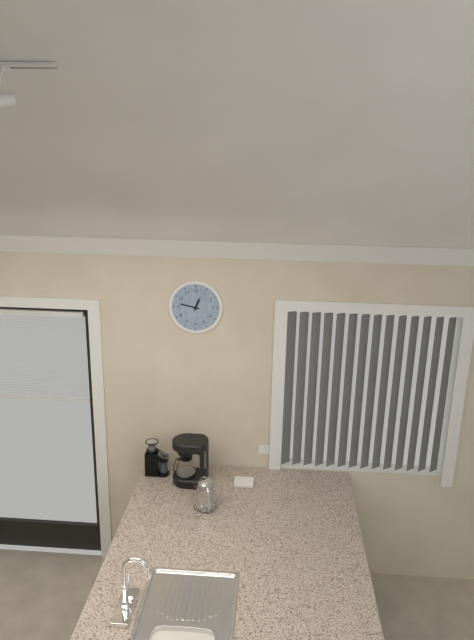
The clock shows **12:47**
